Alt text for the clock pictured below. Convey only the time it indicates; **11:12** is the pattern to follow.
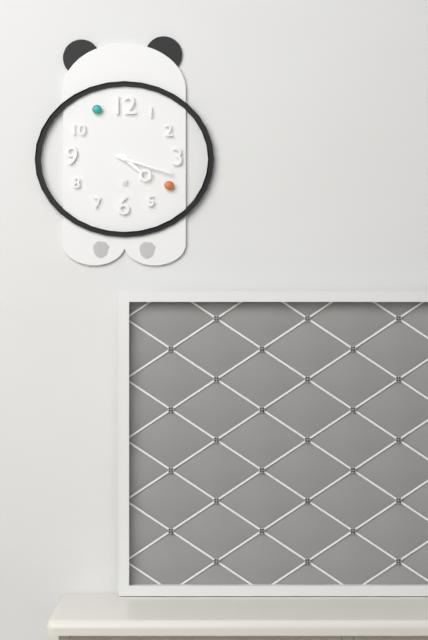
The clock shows **4:18**
